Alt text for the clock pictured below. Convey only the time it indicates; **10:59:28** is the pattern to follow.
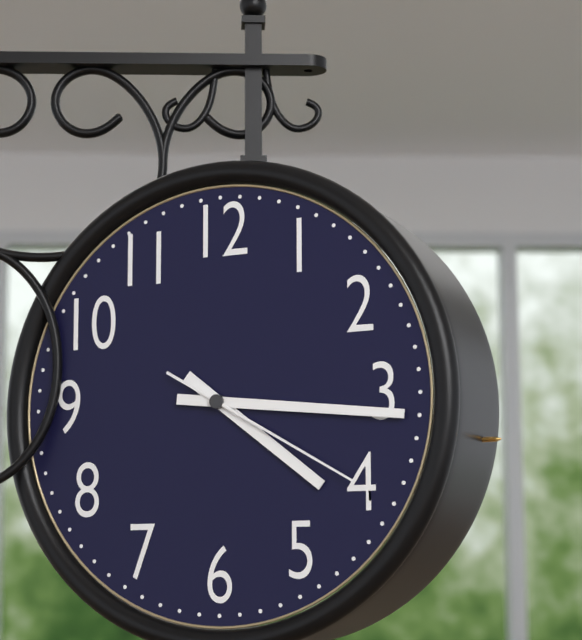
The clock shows **4:16:20**
